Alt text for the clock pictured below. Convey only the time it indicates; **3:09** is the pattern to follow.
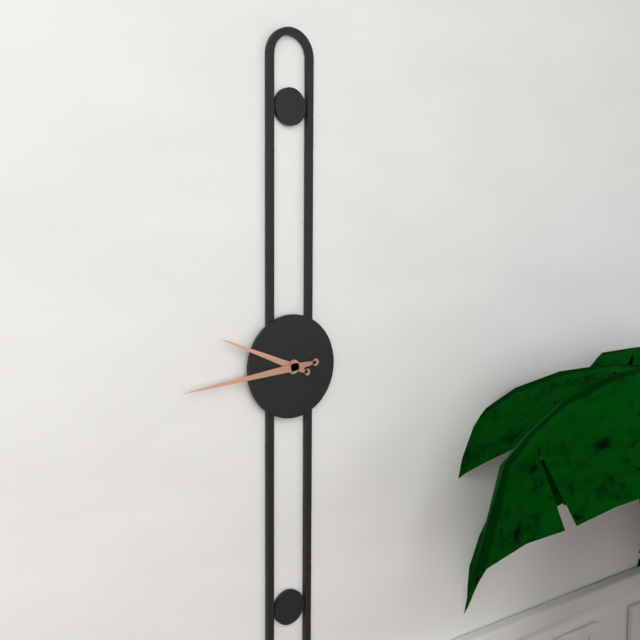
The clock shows **9:44**
